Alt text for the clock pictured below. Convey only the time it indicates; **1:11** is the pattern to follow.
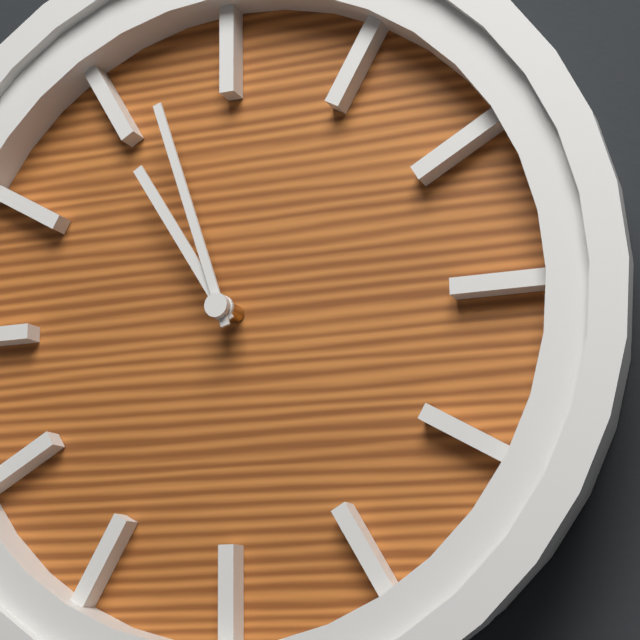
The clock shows **10:57**
